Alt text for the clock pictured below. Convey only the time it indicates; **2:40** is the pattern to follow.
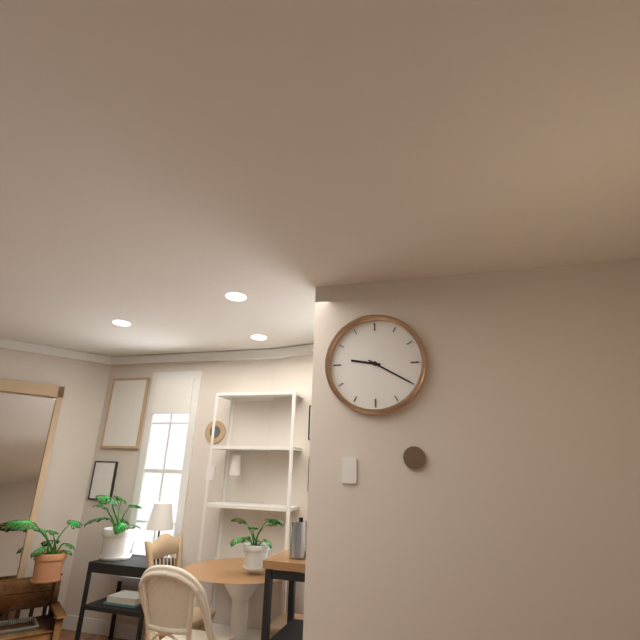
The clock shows **9:20**
